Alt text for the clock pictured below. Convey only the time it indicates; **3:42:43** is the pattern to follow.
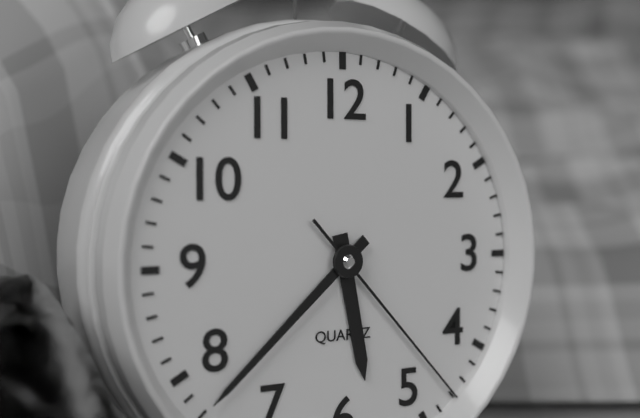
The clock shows **5:38:23**
